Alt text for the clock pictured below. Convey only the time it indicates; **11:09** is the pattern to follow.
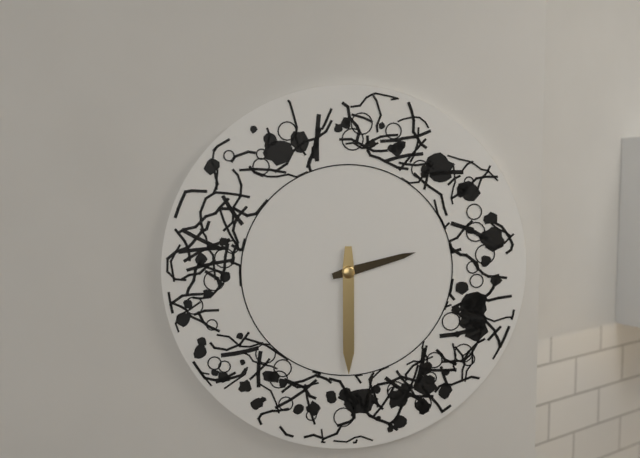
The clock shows **2:30**
